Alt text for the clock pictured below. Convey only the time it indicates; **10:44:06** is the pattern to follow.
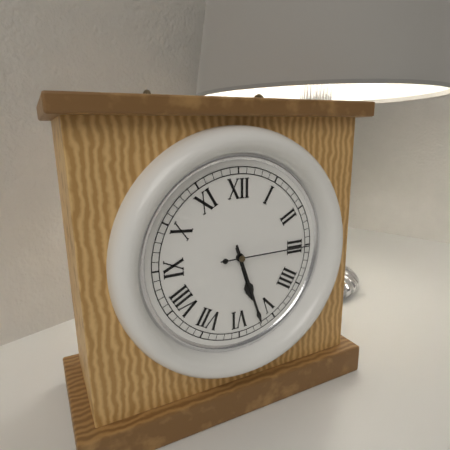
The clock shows **5:27:15**
